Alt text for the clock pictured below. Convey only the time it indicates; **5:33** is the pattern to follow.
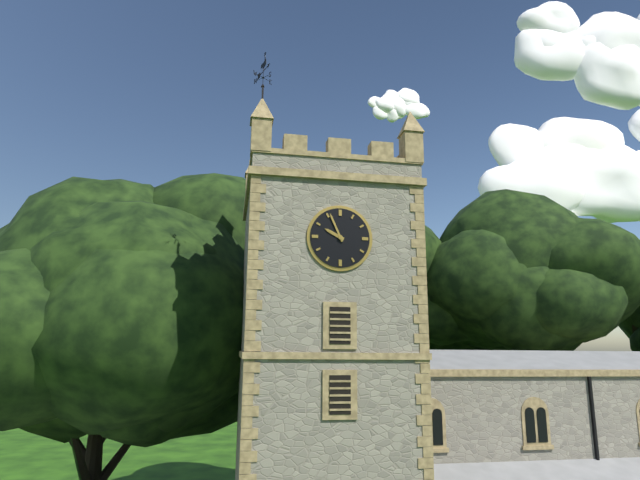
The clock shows **9:56**
